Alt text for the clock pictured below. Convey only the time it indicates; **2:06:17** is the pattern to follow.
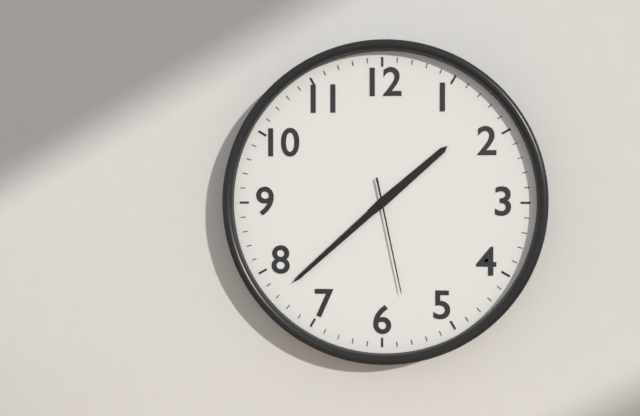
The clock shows **1:38:28**
